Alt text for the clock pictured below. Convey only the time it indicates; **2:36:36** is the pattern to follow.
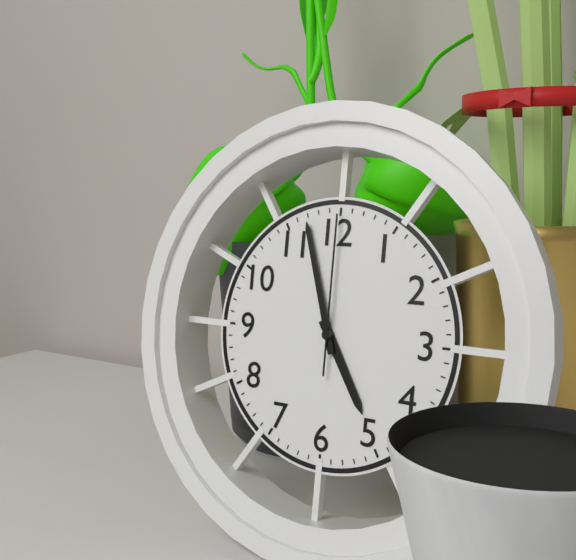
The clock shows **4:57:00**
